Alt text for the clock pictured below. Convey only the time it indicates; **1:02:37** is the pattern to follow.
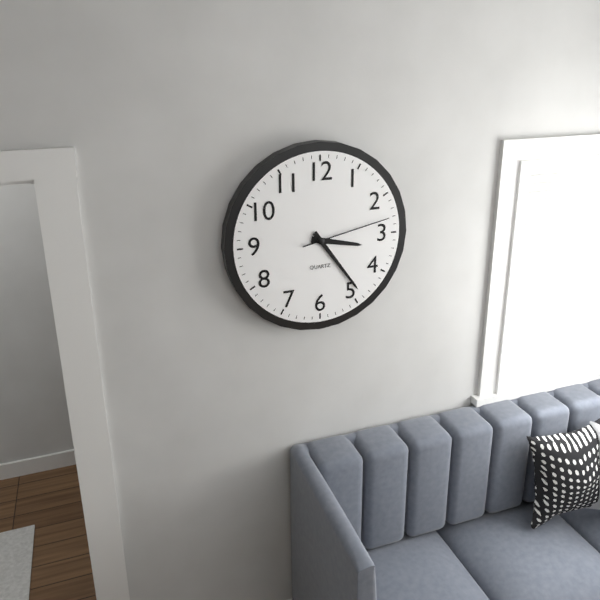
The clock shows **3:24:13**
